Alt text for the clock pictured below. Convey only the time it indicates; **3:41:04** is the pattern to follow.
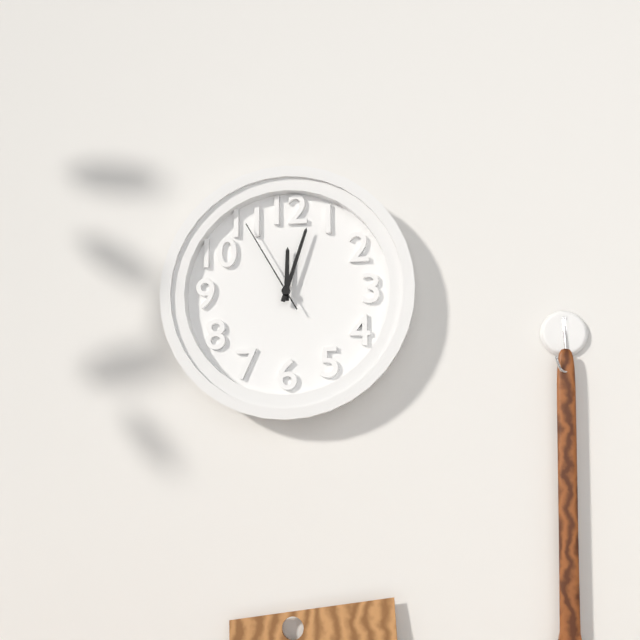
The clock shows **12:03:55**
